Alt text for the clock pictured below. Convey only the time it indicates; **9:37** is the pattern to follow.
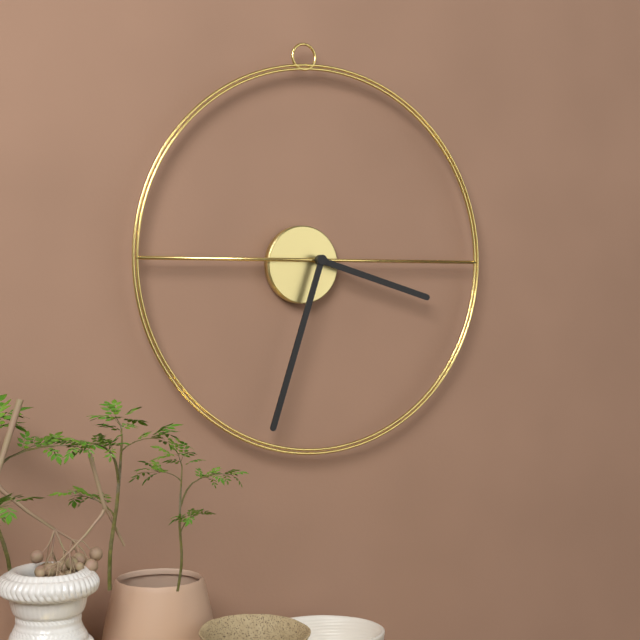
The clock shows **3:33**
